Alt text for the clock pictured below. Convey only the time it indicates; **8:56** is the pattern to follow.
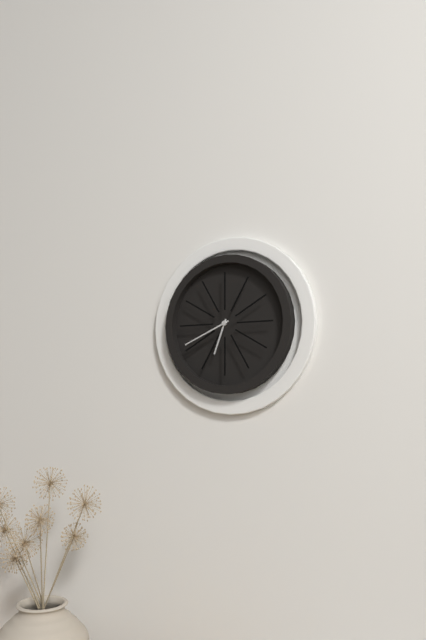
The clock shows **6:41**
